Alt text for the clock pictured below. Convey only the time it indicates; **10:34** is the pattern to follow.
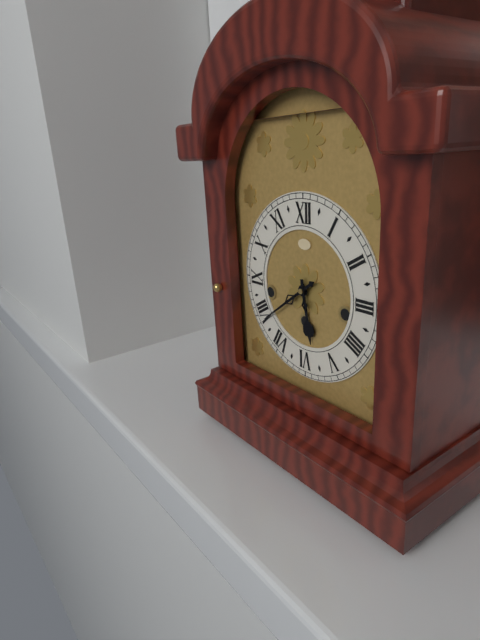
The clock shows **5:39**
